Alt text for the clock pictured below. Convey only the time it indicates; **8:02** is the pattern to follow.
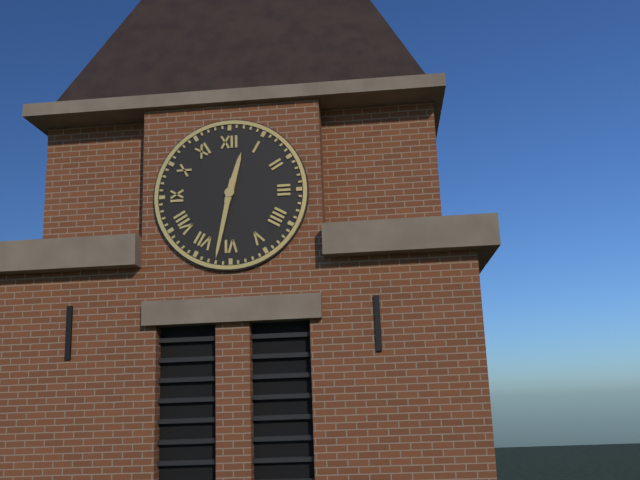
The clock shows **12:32**
